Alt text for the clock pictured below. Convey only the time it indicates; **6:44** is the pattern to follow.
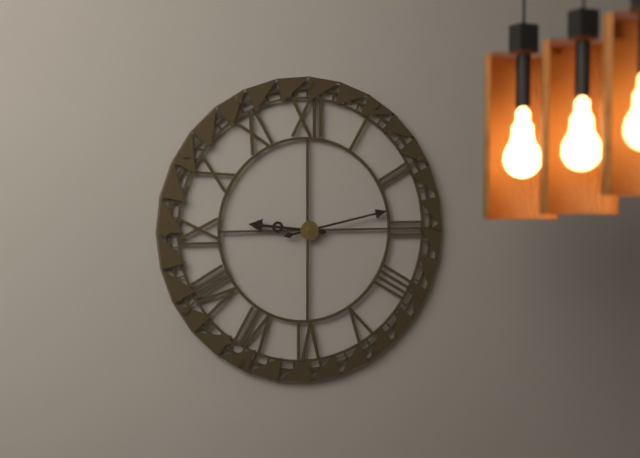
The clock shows **9:13**
